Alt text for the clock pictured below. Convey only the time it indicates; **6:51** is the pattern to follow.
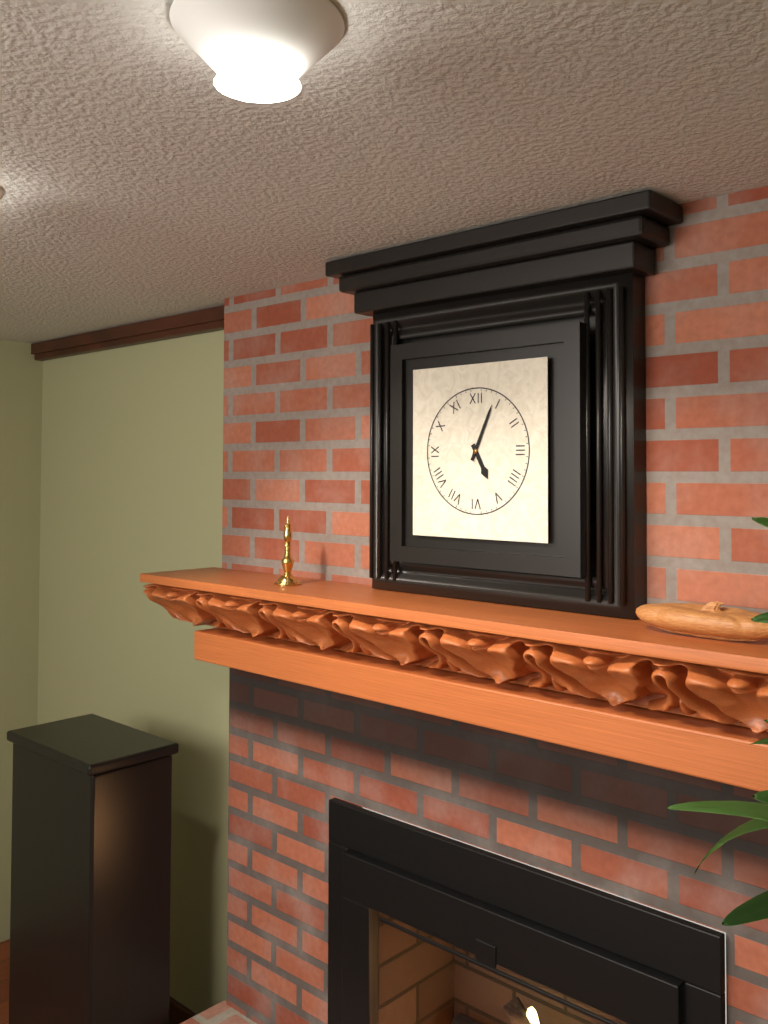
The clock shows **5:04**
